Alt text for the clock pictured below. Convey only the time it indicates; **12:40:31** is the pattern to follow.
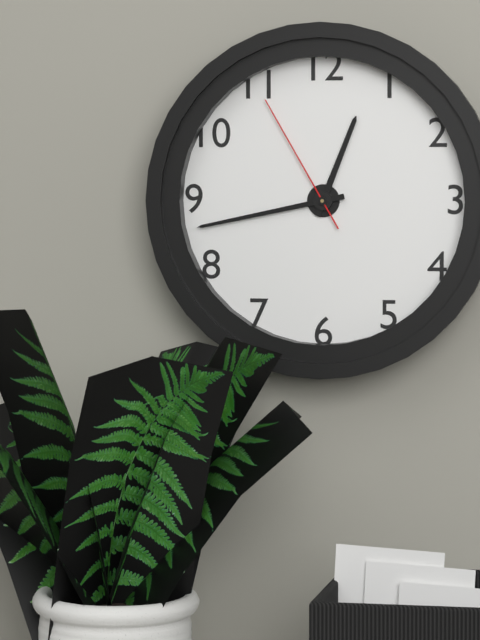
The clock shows **12:43:55**
